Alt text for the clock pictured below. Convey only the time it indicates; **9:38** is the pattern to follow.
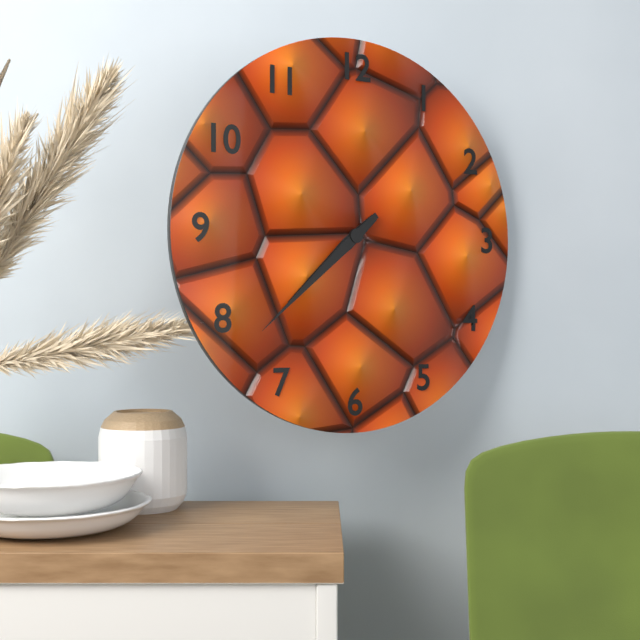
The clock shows **7:38**
